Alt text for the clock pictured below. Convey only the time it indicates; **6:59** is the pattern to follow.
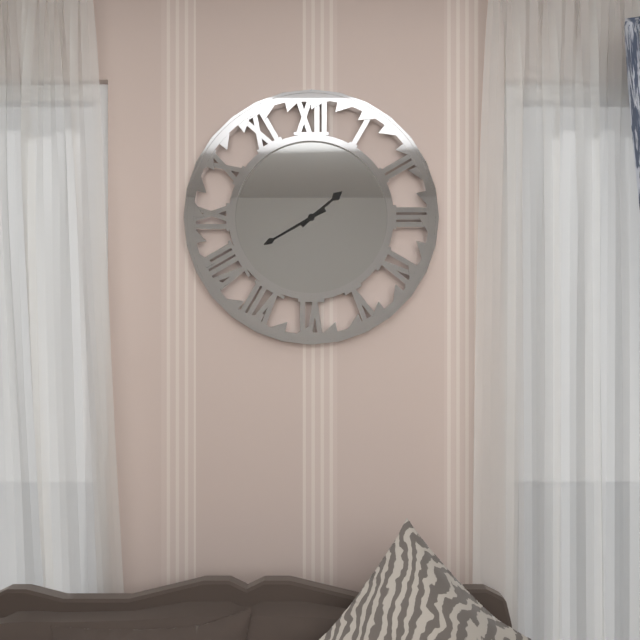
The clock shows **1:40**
